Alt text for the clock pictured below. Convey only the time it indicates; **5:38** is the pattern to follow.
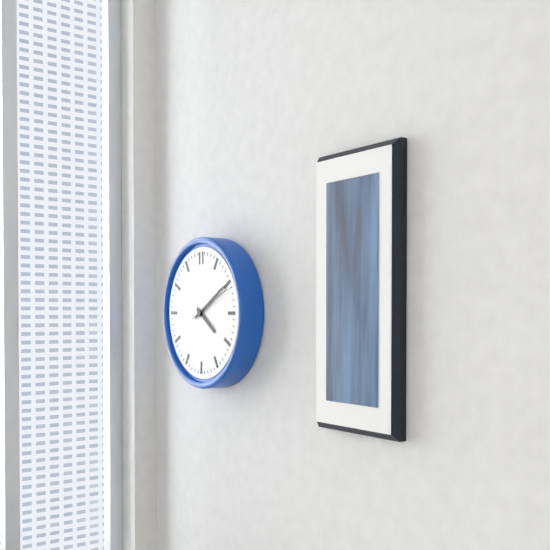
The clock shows **4:10**
